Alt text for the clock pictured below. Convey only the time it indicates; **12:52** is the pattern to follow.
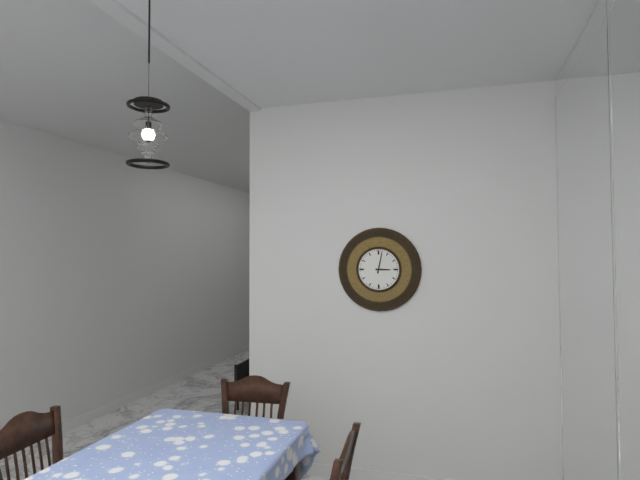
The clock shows **3:02**
